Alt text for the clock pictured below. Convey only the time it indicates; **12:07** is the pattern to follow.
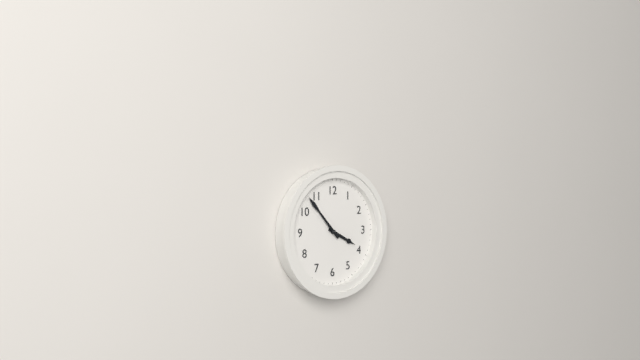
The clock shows **3:53**
